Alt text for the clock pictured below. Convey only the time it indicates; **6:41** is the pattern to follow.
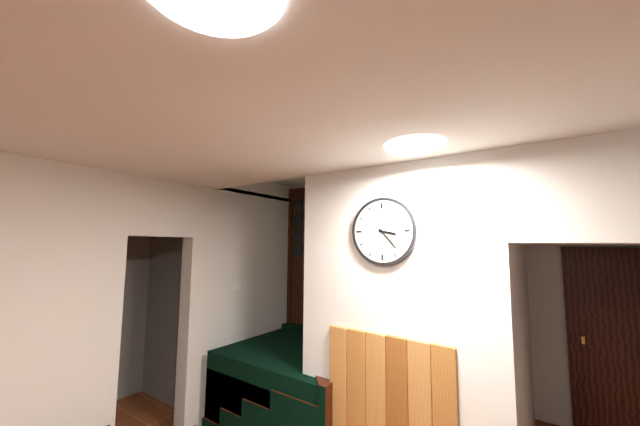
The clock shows **3:23**
